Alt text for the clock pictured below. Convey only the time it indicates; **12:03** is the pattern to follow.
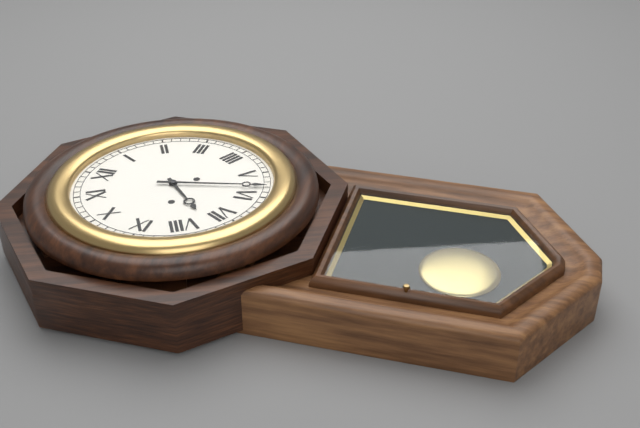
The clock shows **7:28**
